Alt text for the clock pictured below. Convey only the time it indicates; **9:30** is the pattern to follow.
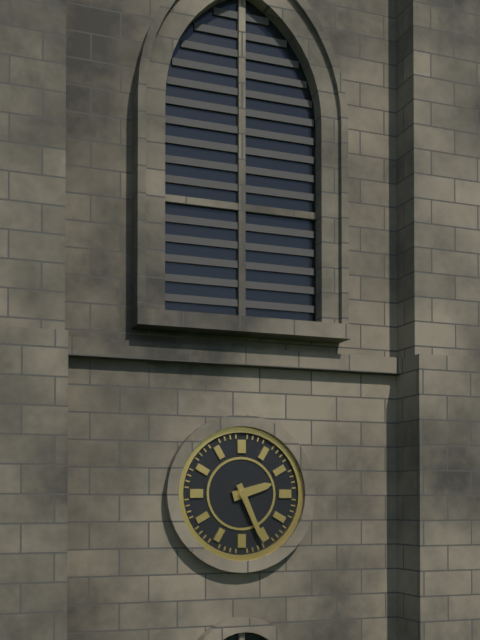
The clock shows **2:26**
